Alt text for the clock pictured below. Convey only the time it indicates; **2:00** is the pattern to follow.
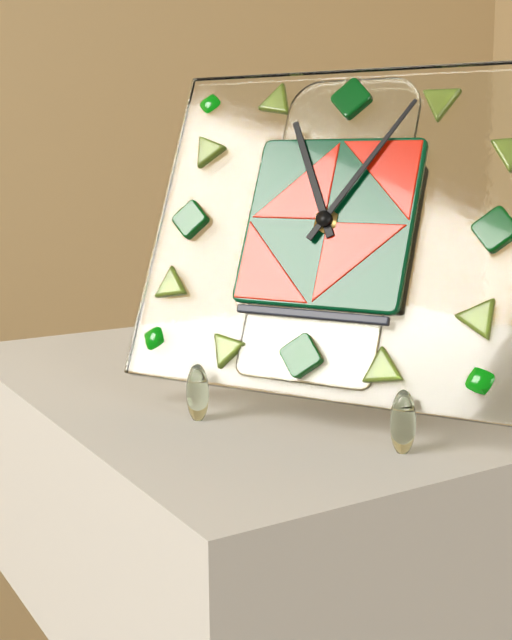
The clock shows **11:05**
